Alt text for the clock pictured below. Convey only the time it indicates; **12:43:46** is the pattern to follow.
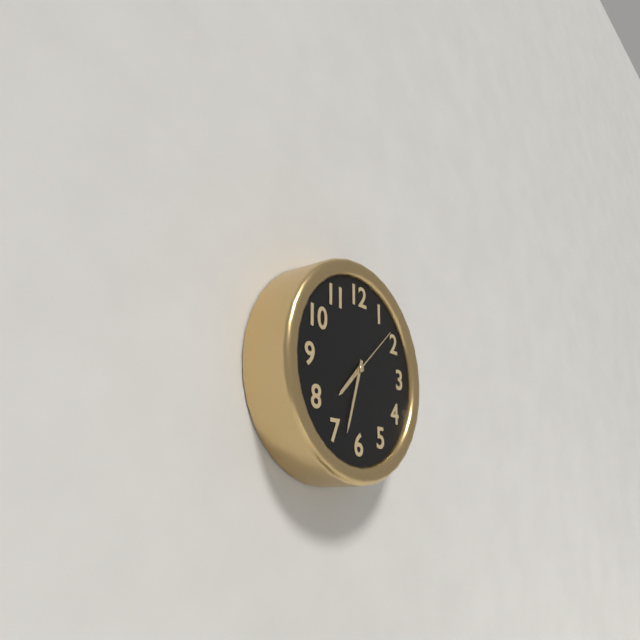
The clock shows **7:33:08**
